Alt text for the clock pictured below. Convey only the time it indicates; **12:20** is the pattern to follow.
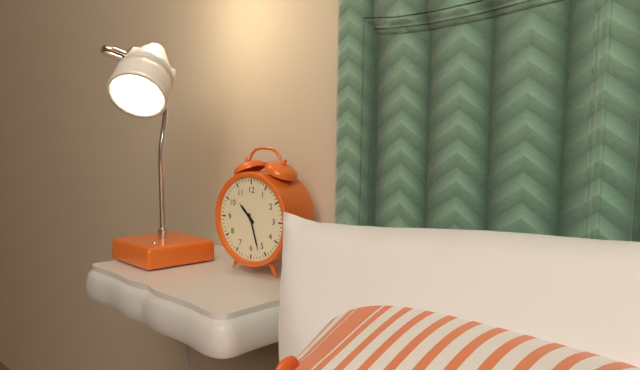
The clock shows **10:27**
